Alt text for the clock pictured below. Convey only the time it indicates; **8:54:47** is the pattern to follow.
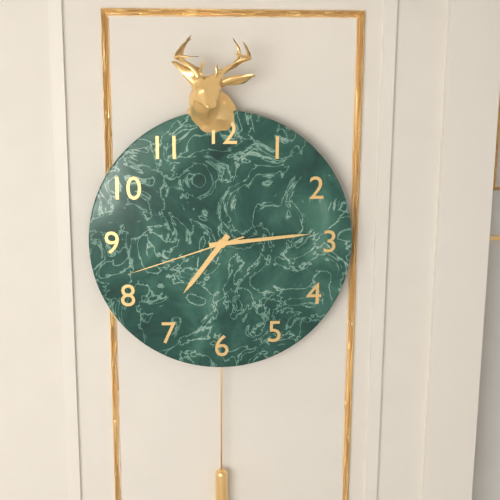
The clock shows **7:14:42**
